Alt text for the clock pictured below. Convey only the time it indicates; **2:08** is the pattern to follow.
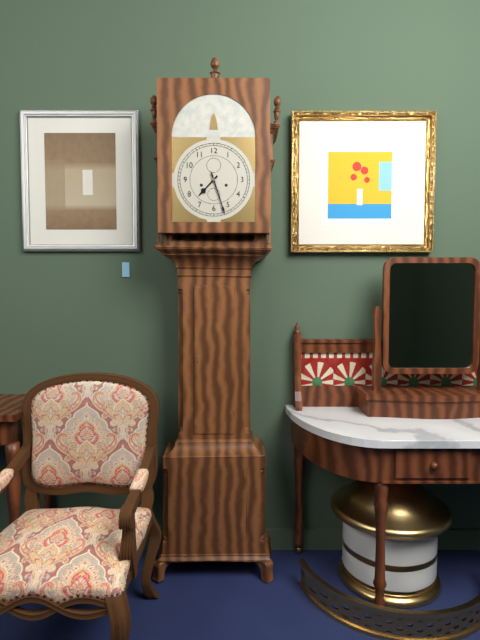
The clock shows **7:27**
